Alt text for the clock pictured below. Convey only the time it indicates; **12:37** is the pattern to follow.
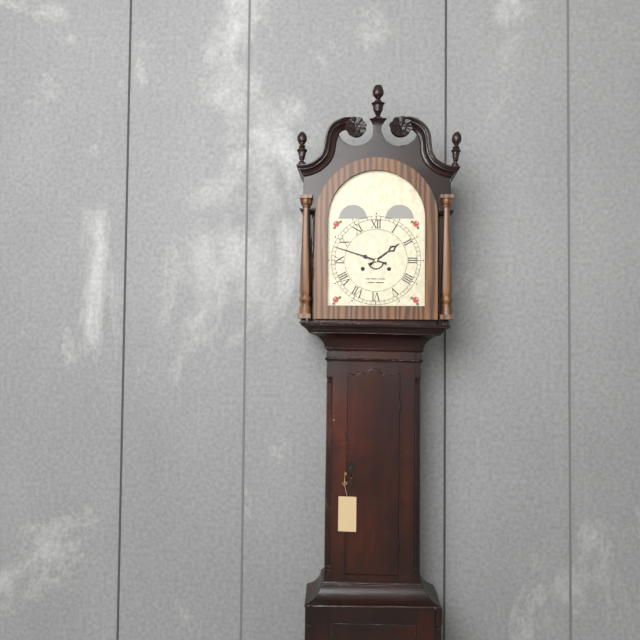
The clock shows **1:48**
